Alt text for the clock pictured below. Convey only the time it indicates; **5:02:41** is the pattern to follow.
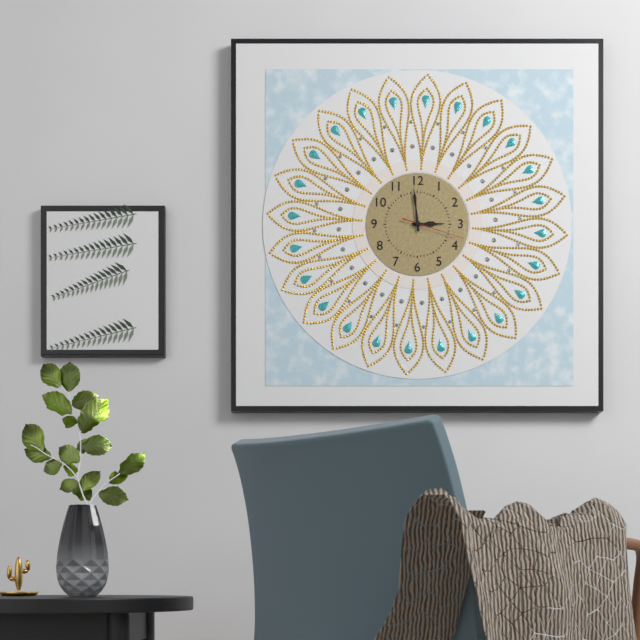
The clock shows **2:59:18**
